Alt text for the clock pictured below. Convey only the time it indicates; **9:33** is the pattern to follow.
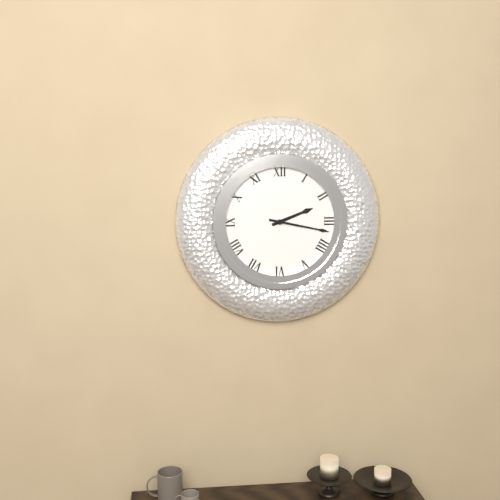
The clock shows **2:17**
